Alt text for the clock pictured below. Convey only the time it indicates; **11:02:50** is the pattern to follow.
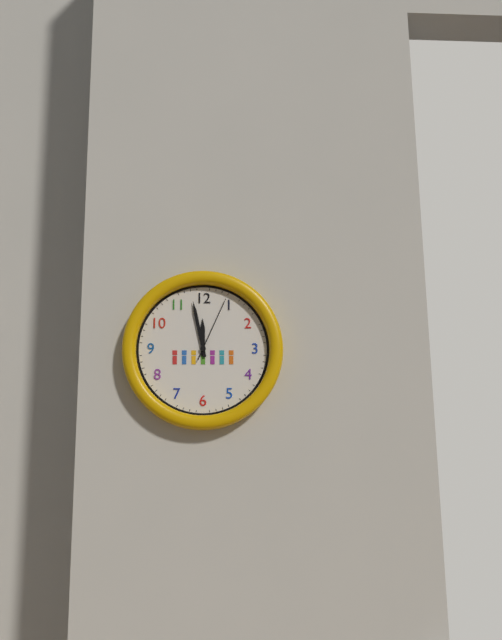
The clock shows **11:58:04**
